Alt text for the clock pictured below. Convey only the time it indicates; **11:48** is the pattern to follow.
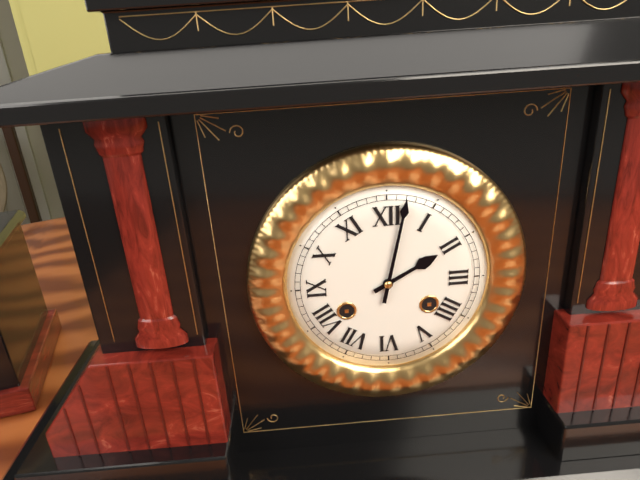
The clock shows **2:02**
